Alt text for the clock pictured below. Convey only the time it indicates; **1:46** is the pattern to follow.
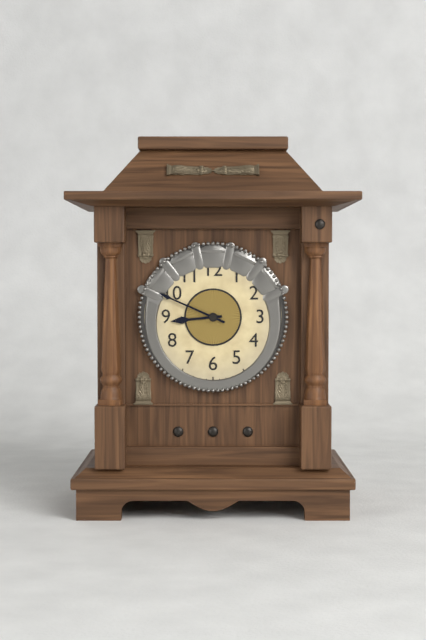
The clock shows **8:49**
